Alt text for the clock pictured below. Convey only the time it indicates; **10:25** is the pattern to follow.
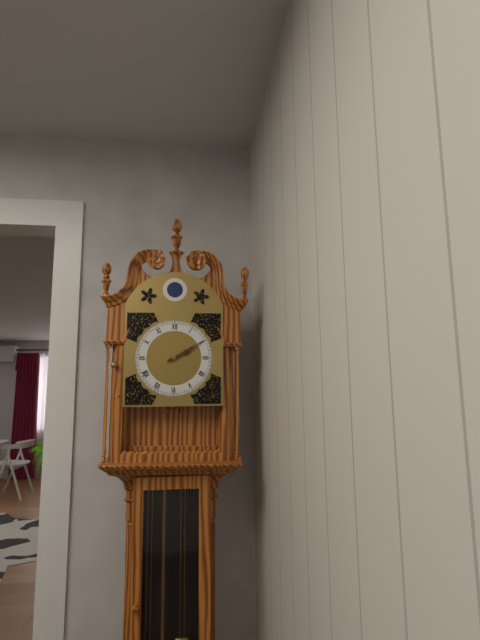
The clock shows **2:10**
